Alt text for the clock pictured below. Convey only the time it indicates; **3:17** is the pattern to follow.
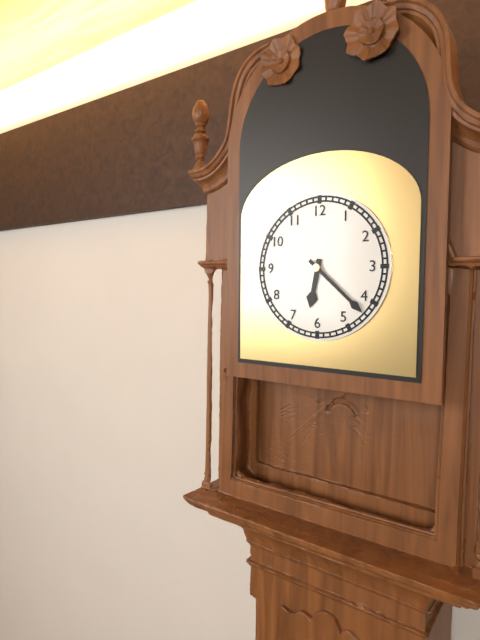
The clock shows **6:22**
